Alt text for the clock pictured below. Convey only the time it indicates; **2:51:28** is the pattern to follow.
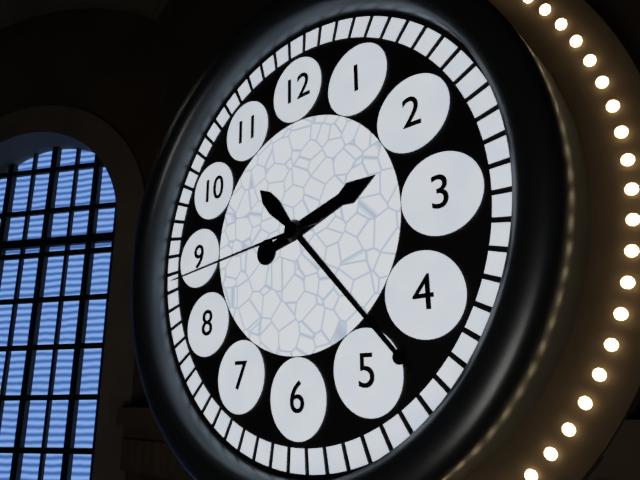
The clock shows **2:23:44**
